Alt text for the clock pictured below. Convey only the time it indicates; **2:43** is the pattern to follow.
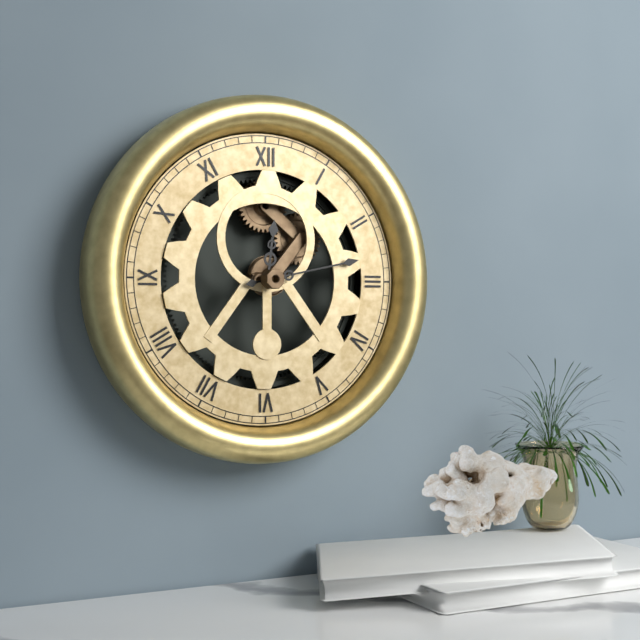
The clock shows **12:13**
